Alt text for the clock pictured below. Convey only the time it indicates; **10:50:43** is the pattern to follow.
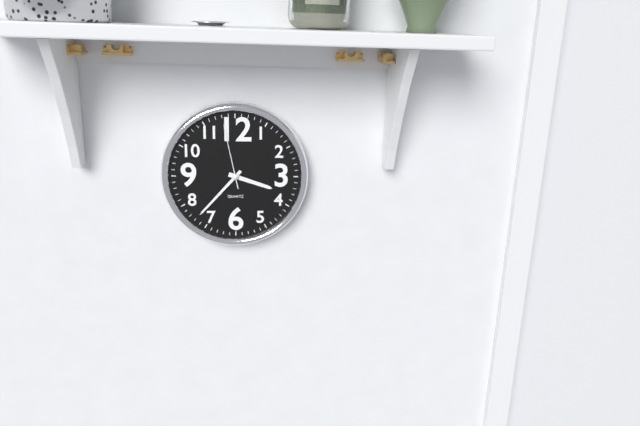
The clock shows **3:37:58**
